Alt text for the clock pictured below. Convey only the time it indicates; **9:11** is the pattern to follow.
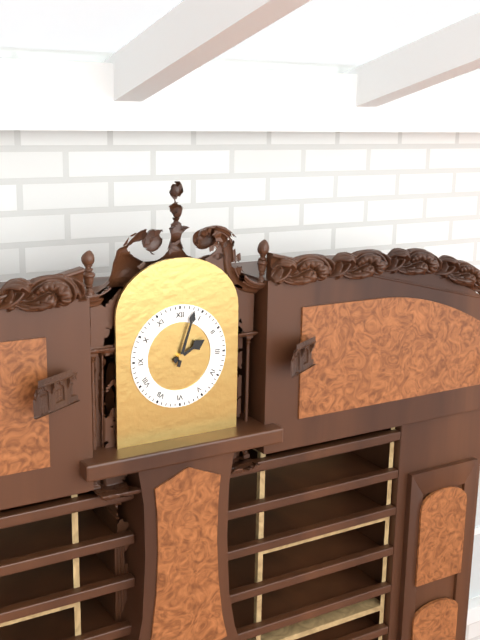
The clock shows **2:03**
